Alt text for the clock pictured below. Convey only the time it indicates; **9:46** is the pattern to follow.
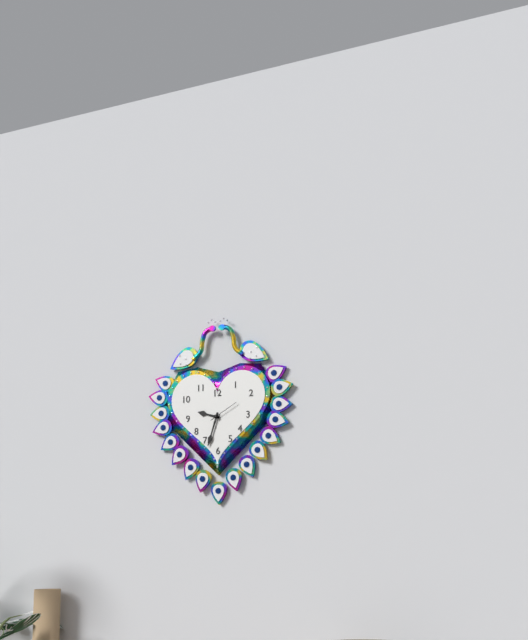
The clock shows **9:33**
